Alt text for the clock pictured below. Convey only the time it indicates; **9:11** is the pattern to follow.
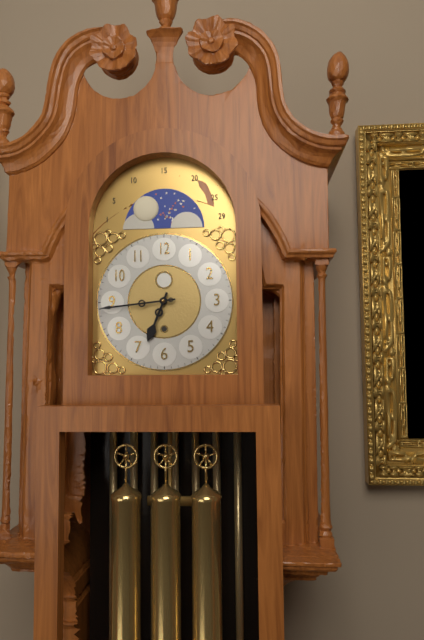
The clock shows **6:44**
